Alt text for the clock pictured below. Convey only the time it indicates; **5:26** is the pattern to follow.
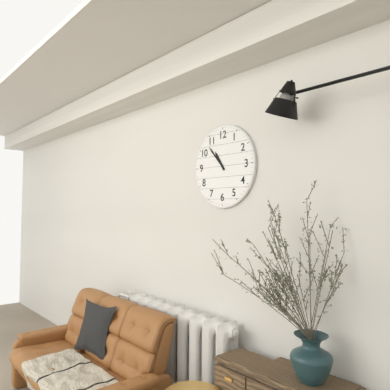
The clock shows **10:53**
